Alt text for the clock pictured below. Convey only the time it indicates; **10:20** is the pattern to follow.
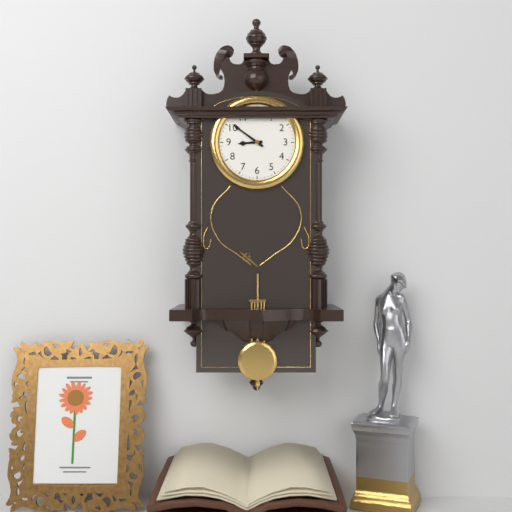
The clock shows **8:51**
